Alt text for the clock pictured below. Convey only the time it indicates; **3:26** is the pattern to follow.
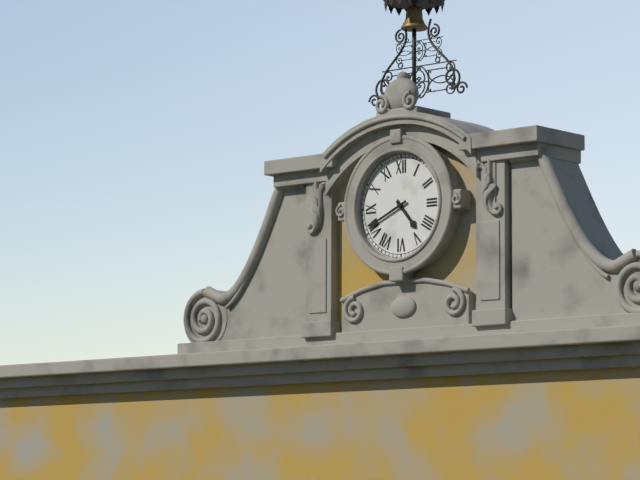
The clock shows **4:41**
